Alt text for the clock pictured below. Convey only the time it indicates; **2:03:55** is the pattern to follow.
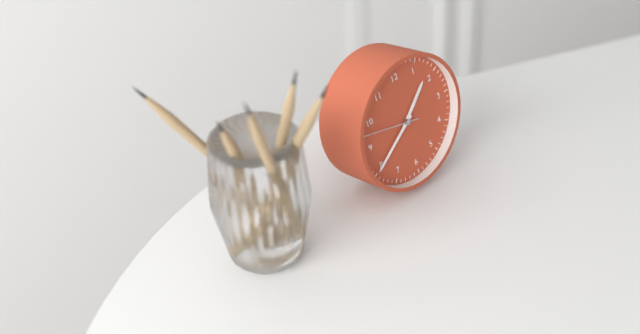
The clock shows **1:40:48**
